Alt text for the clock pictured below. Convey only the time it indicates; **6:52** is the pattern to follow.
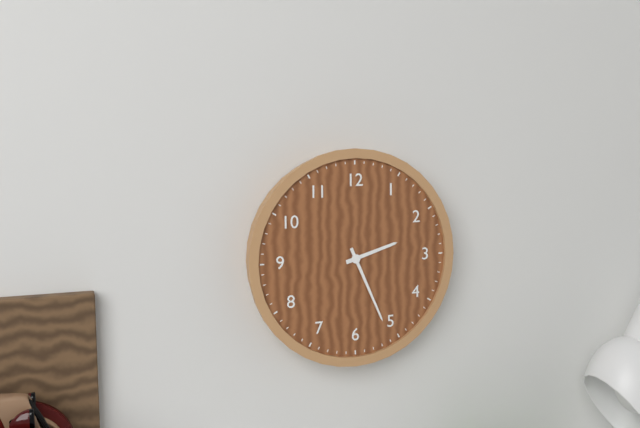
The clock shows **2:26**
